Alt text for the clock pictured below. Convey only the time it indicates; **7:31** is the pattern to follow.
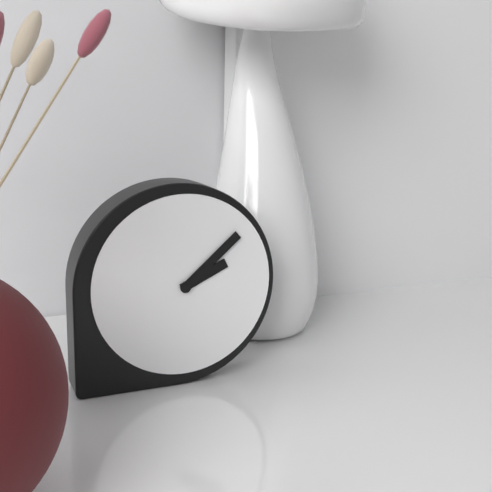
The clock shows **2:08**
